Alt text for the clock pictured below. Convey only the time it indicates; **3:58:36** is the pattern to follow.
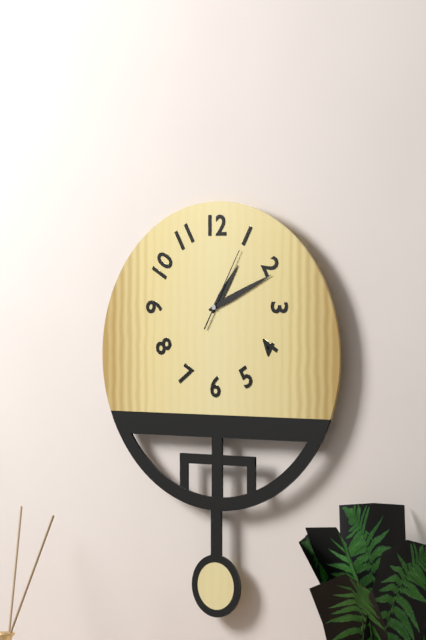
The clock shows **1:11:05**
